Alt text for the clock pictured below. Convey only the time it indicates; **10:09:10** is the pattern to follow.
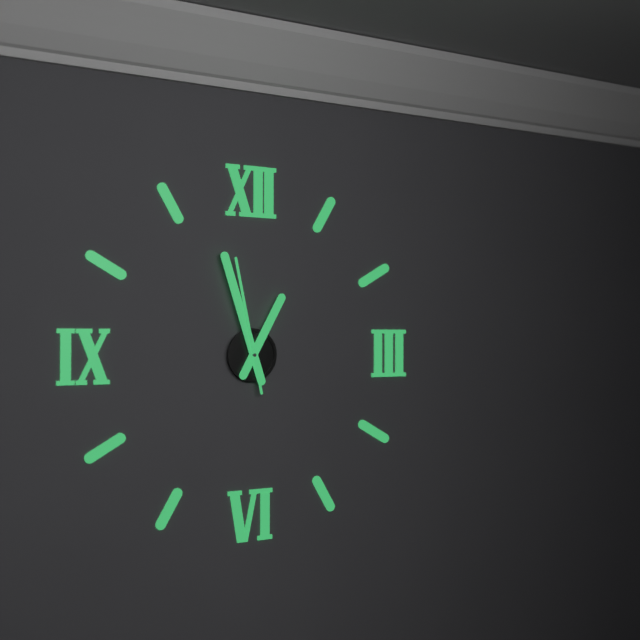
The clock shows **12:57:58**
